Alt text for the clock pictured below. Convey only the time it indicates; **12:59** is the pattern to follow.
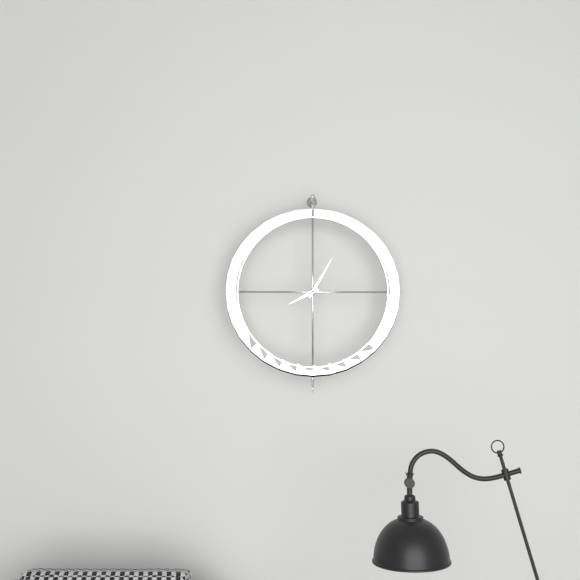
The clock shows **8:05**
